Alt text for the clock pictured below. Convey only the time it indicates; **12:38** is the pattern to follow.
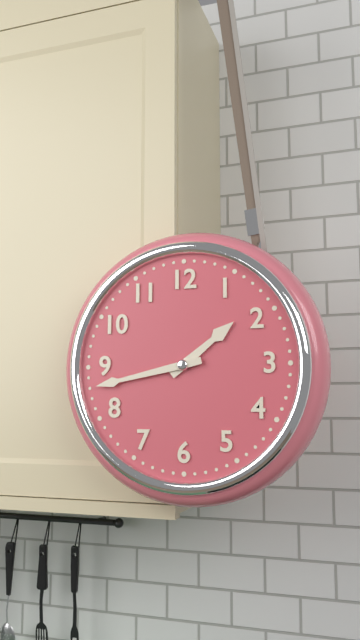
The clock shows **1:43**
